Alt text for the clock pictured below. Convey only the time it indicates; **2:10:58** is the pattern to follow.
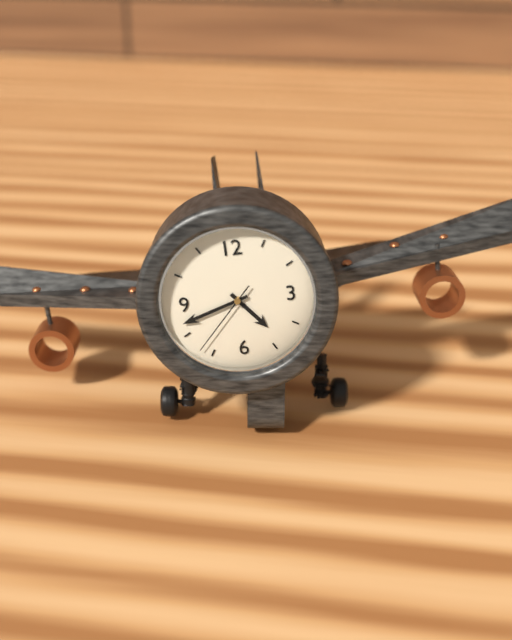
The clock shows **4:42:37**
